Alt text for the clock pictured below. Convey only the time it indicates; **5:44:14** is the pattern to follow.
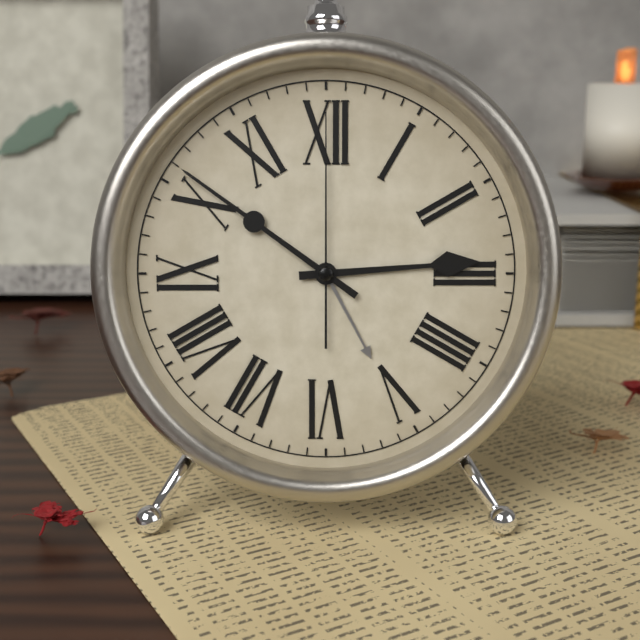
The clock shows **2:51:00**
